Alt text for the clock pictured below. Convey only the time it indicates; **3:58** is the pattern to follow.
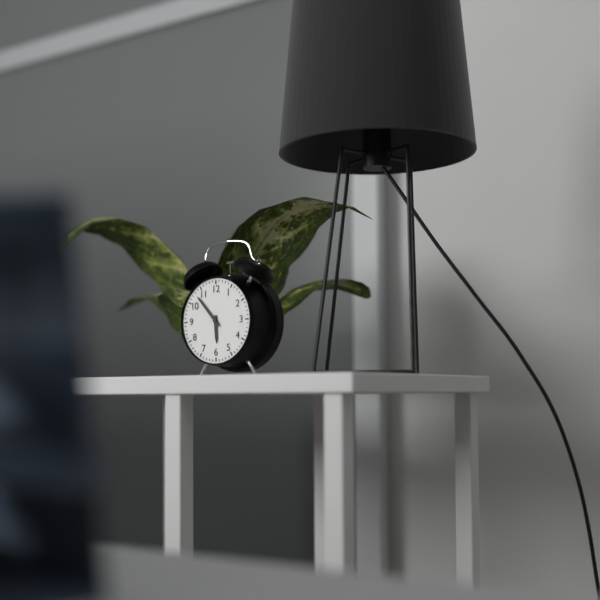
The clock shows **5:53**
